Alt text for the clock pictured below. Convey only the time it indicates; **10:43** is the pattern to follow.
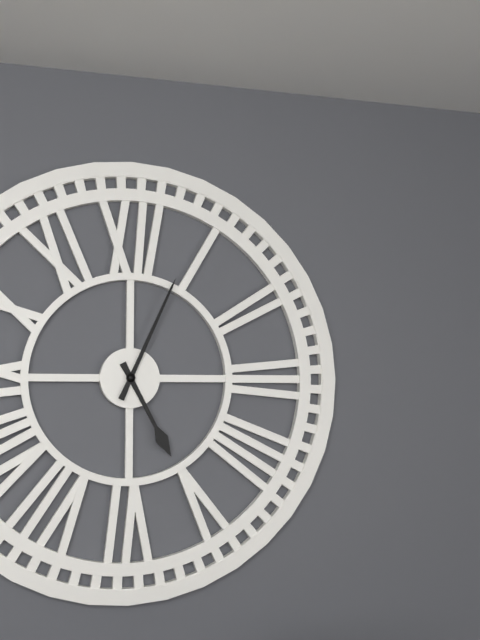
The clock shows **5:04**
